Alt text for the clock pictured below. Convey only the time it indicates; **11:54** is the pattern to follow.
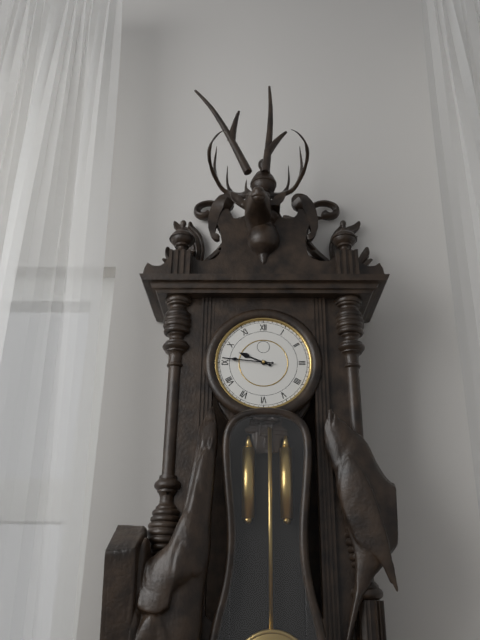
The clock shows **9:46**
